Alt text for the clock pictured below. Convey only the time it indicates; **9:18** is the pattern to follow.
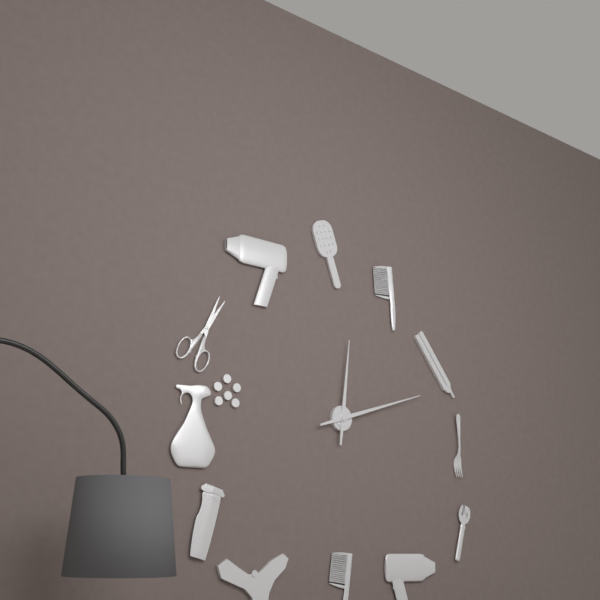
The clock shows **12:12**
